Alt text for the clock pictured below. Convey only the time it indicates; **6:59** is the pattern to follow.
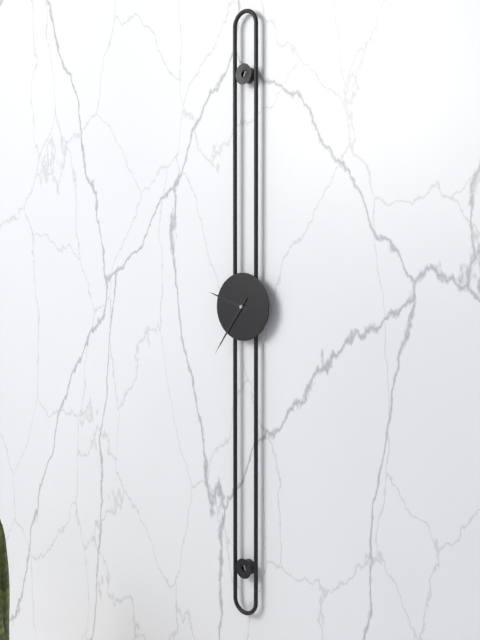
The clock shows **9:36**
